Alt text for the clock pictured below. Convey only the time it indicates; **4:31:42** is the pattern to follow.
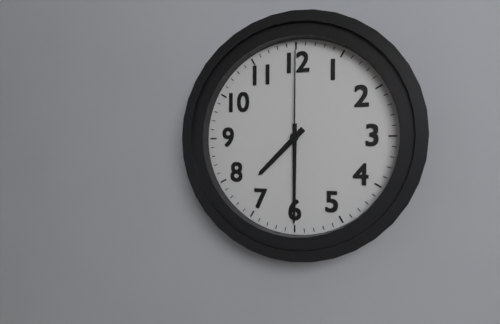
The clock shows **7:30:00**
